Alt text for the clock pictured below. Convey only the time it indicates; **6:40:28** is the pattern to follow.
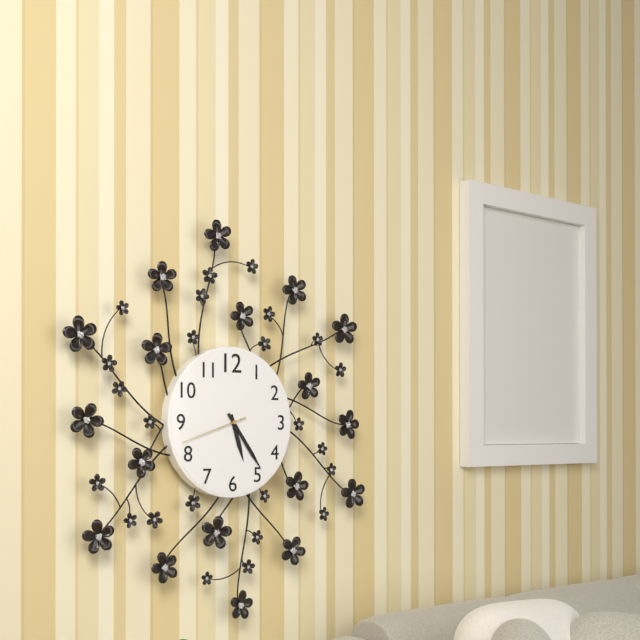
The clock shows **5:24:42**
